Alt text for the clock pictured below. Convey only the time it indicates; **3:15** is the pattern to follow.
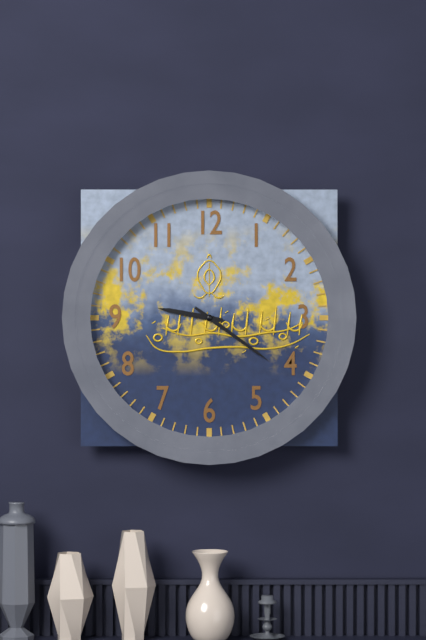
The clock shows **9:21**
